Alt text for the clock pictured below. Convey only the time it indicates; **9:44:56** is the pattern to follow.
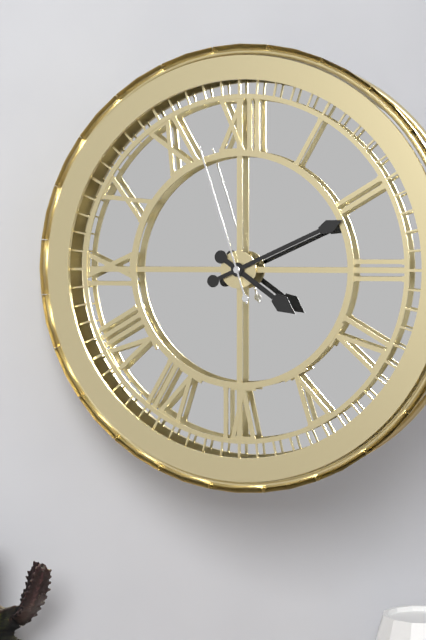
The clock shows **4:11:57**
